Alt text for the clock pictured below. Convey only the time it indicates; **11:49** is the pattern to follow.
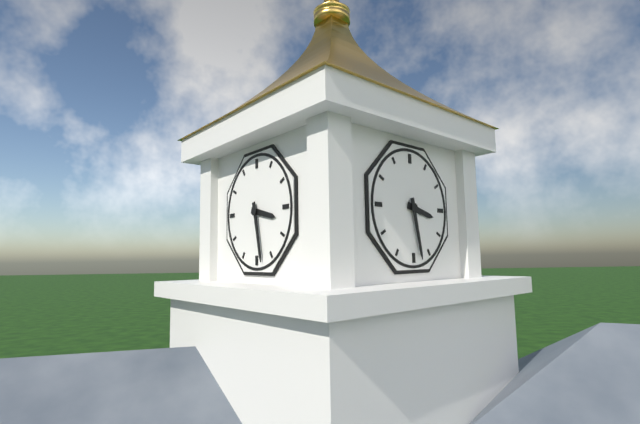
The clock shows **3:28**
